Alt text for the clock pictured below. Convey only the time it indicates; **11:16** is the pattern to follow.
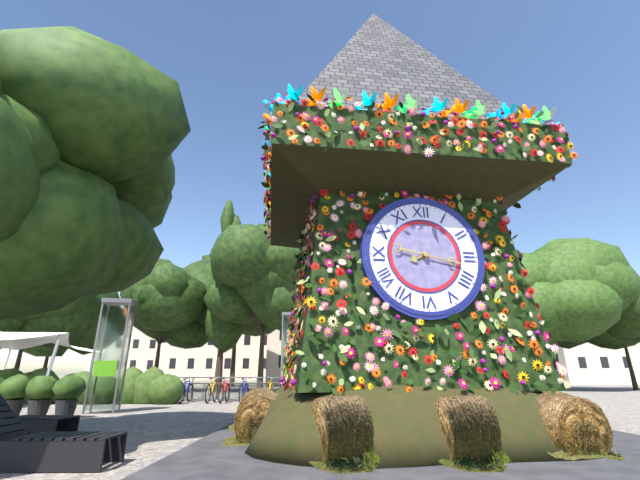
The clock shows **8:17**
